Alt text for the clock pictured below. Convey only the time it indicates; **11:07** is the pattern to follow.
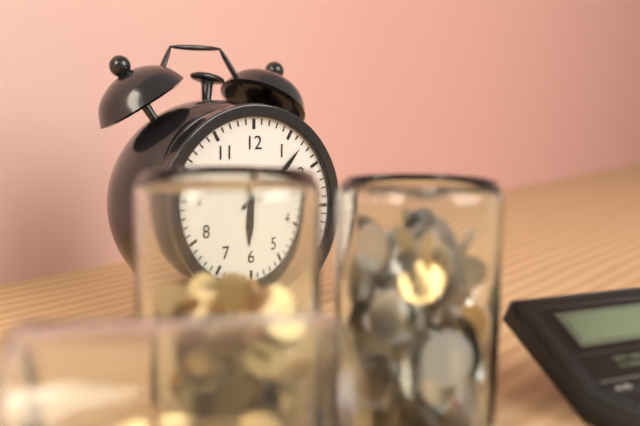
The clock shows **6:07**
